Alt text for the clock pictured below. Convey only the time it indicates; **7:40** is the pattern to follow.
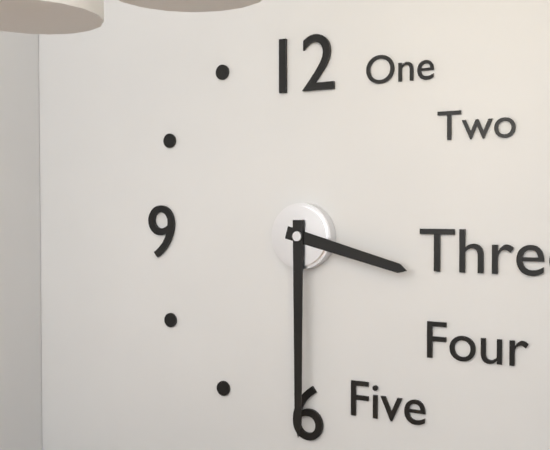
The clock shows **3:30**
